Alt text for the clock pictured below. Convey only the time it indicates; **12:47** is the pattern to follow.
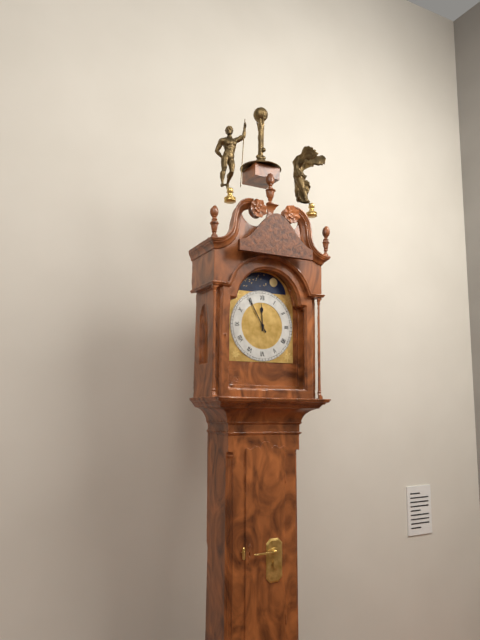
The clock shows **11:55**
